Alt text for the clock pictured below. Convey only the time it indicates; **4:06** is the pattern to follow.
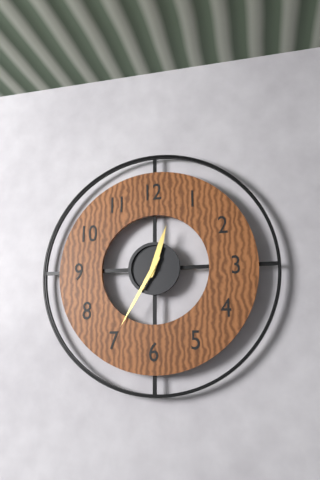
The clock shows **12:35**
